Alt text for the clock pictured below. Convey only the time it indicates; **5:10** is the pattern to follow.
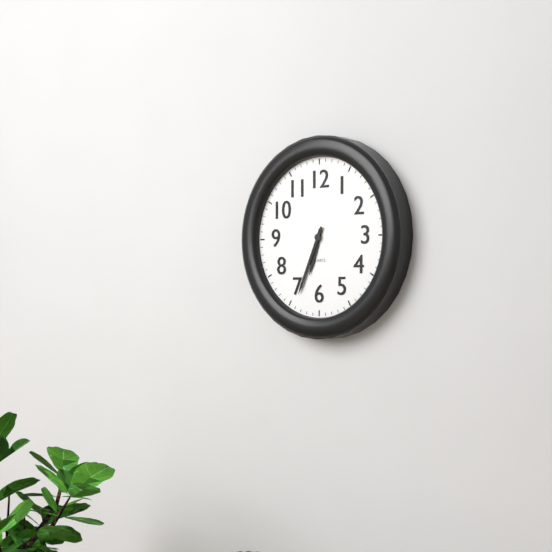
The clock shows **6:34**
